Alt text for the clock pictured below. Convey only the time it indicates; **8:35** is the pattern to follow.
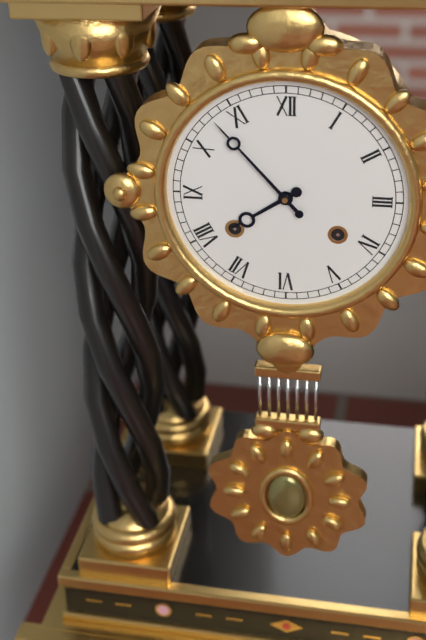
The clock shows **7:53**
